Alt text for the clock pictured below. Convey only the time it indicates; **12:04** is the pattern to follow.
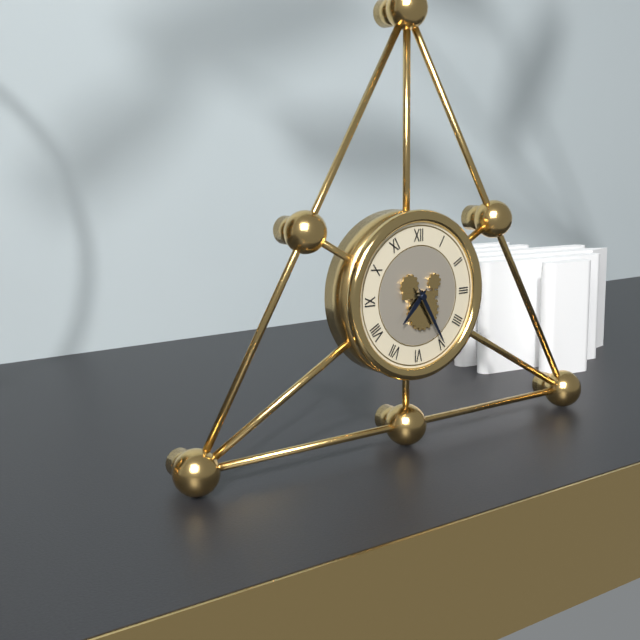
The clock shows **7:25**
